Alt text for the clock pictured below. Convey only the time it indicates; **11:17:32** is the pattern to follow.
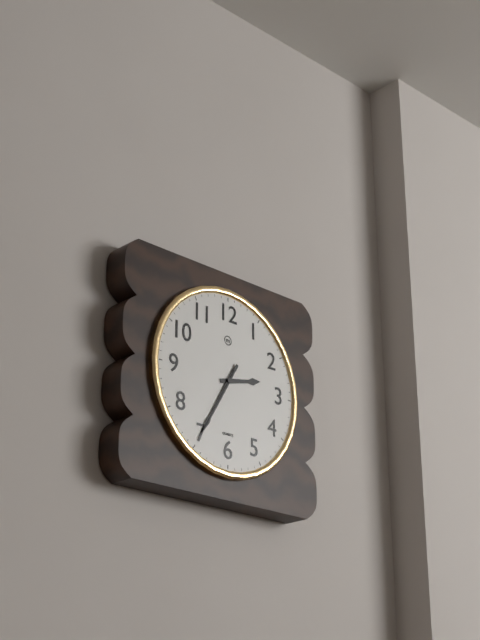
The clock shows **2:35:35**
